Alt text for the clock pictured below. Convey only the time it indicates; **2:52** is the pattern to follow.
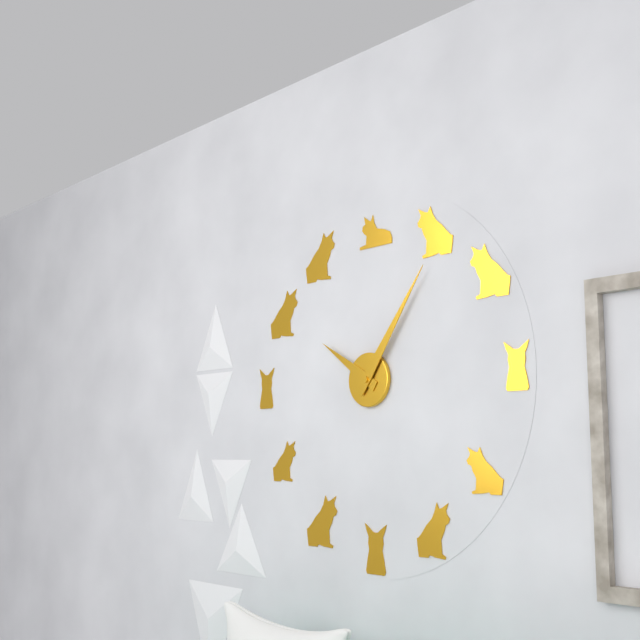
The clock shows **10:06**
